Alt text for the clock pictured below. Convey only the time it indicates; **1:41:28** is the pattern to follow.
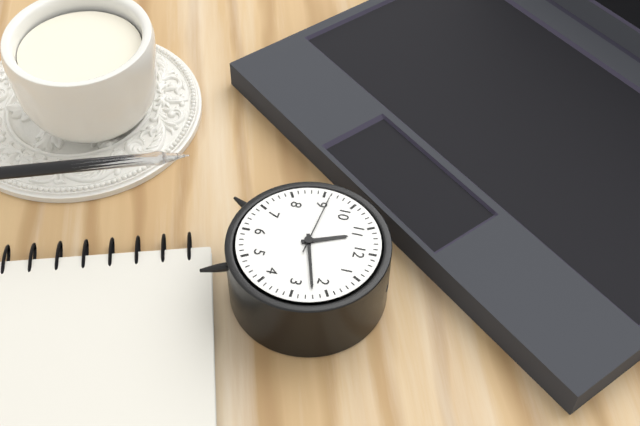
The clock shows **11:12:46**
